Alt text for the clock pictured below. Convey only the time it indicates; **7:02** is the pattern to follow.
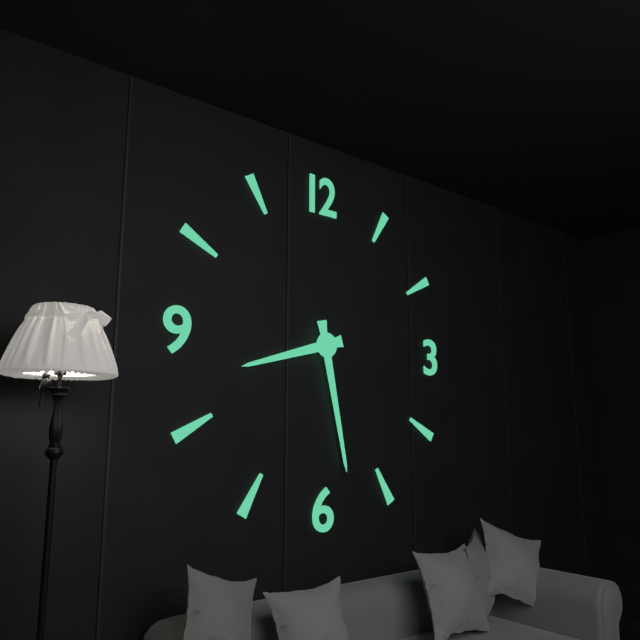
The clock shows **8:28**
